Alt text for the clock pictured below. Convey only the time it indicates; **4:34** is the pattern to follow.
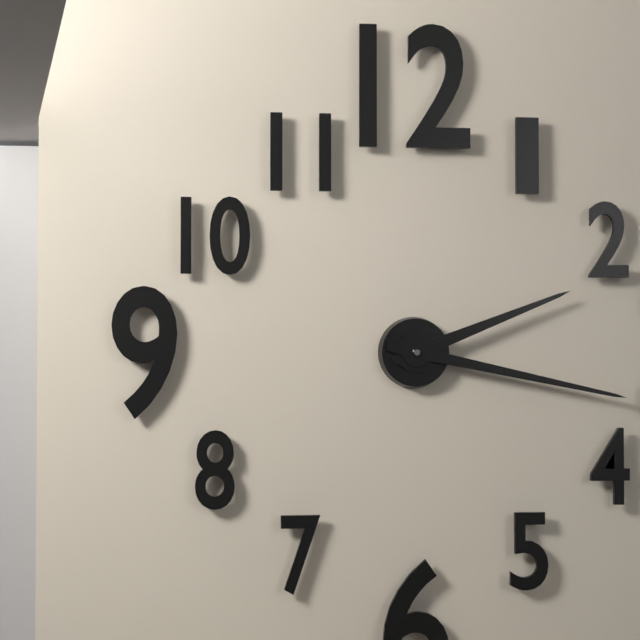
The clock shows **2:17**
